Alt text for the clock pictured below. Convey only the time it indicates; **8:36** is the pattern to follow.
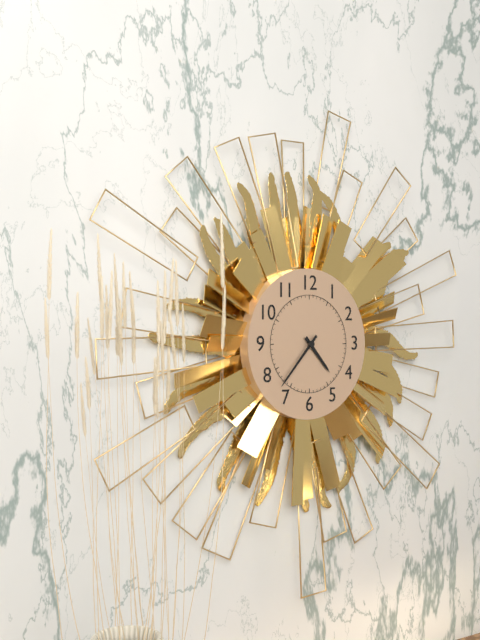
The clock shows **4:37**
